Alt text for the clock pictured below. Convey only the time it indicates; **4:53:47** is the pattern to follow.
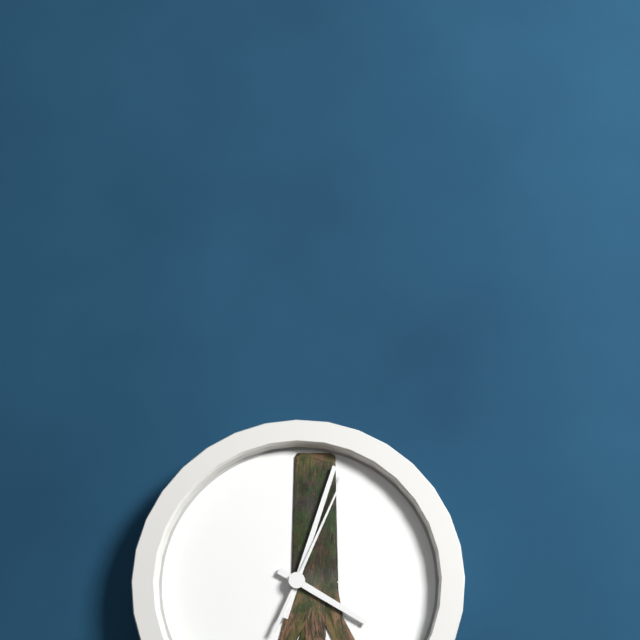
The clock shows **4:03:04**
